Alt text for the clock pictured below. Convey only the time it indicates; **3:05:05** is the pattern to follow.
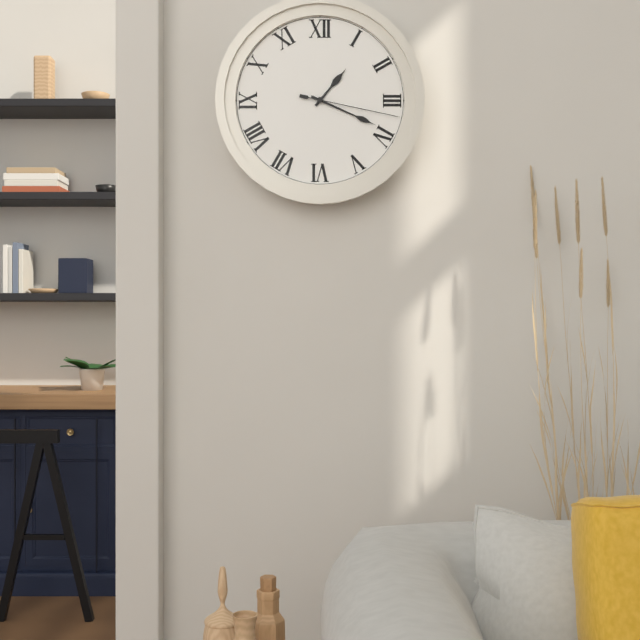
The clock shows **1:19:17**
